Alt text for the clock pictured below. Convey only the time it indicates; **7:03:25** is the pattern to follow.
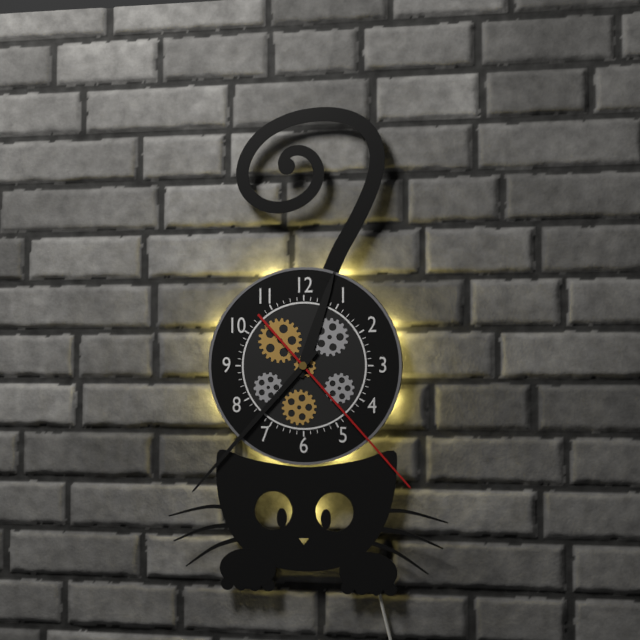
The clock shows **12:37:23**
